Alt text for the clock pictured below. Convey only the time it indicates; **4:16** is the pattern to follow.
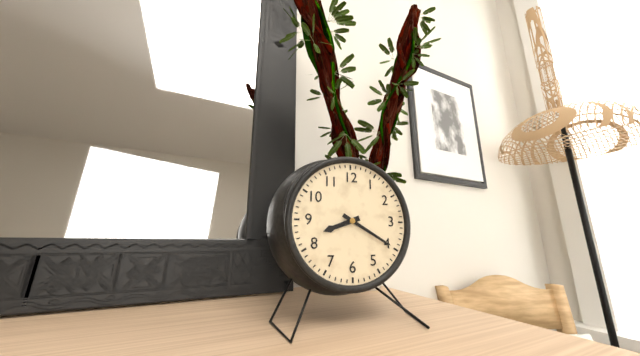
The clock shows **8:20**
